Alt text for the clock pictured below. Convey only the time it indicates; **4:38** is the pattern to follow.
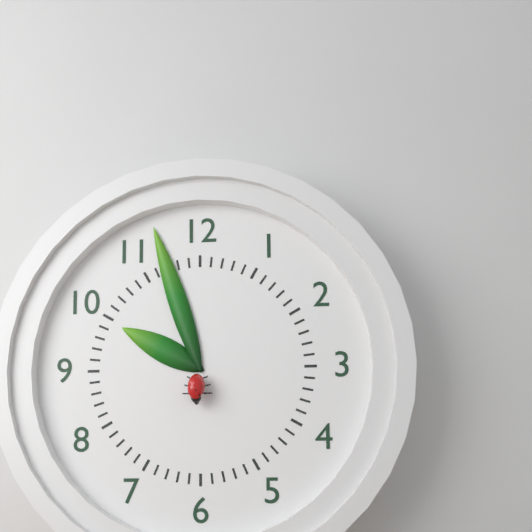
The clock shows **9:57**
